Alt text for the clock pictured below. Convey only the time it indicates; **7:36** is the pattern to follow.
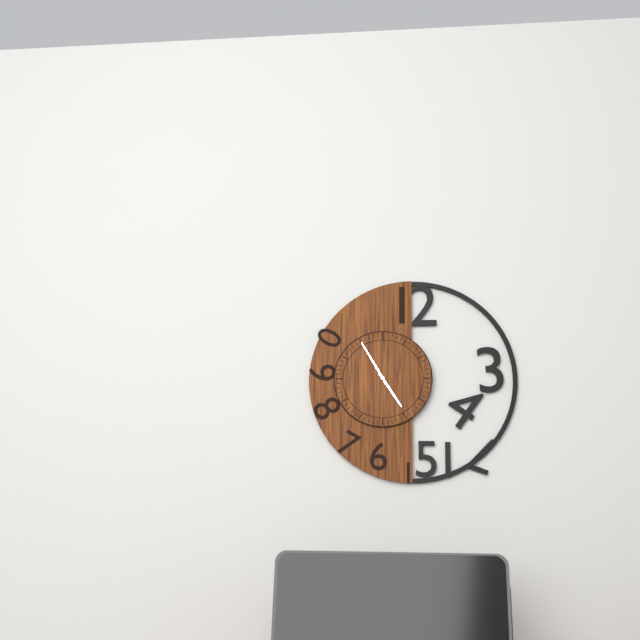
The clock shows **4:55**
